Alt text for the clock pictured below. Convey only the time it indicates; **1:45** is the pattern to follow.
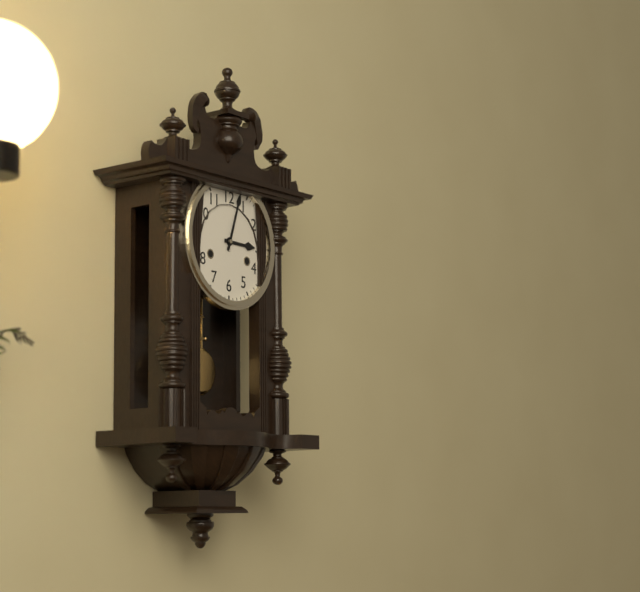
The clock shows **3:03**
